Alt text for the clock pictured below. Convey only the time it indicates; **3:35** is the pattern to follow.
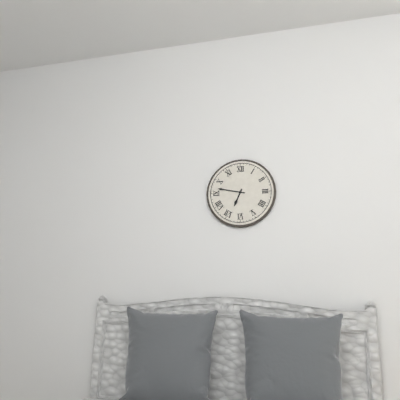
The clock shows **6:47**
